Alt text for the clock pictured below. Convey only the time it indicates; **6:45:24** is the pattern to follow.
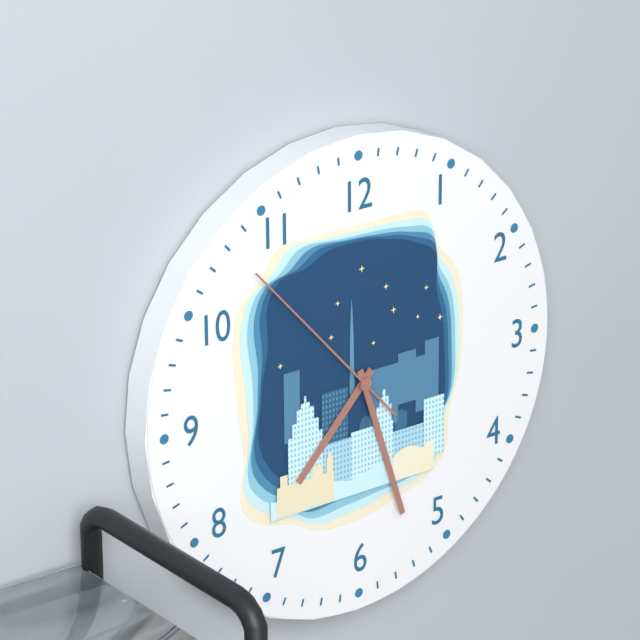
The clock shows **7:27:53**
